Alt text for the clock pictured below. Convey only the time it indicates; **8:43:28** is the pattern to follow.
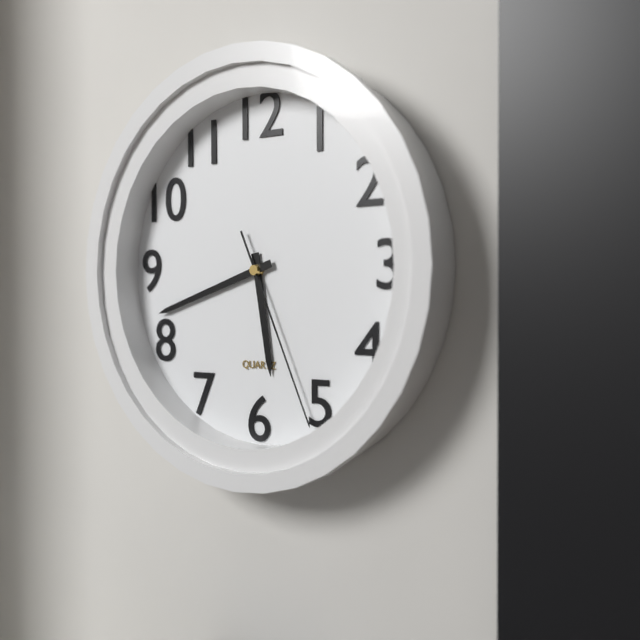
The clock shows **5:42:26**
